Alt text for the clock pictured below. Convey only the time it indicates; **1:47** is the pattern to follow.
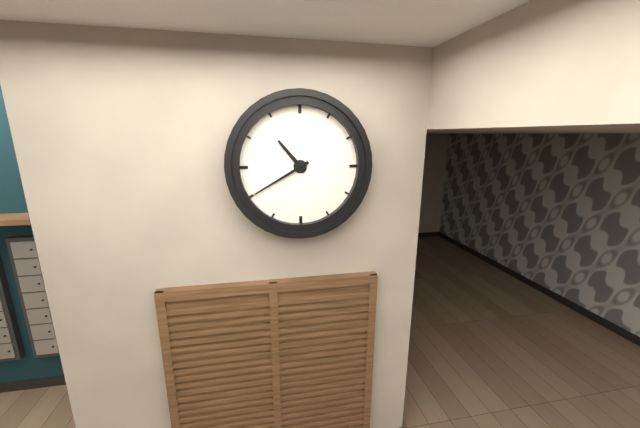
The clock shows **10:40**
